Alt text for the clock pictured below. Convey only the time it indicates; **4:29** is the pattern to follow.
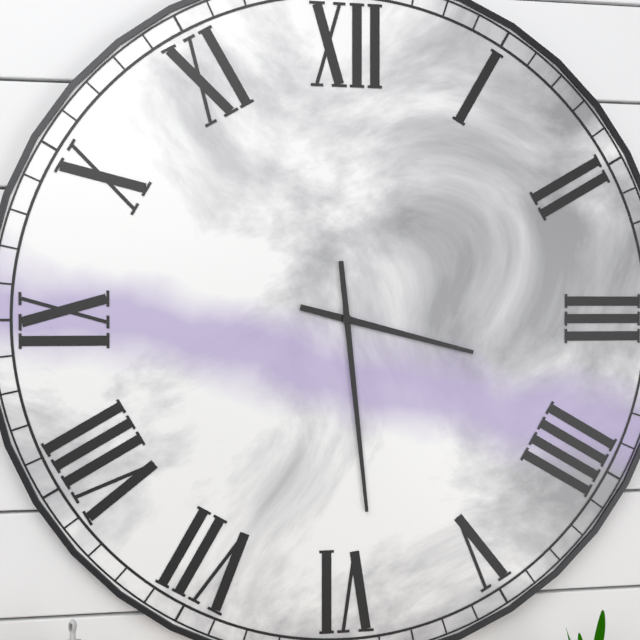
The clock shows **3:29**
